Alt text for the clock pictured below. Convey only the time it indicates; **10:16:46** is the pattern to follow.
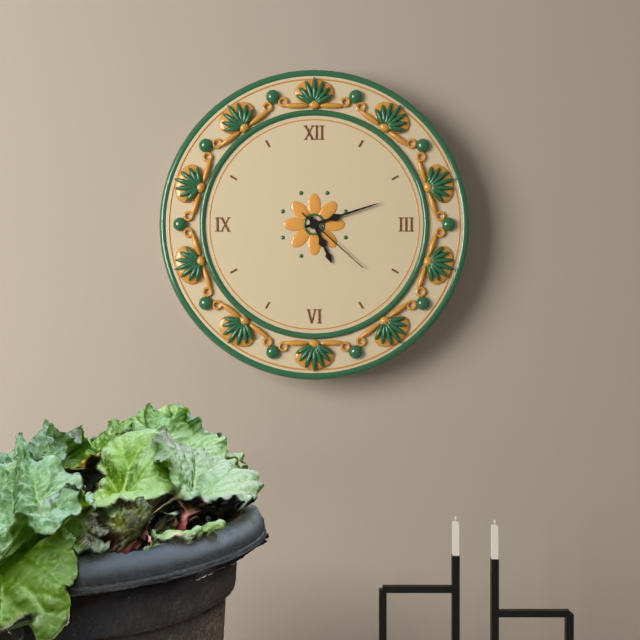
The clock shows **5:12:22**
